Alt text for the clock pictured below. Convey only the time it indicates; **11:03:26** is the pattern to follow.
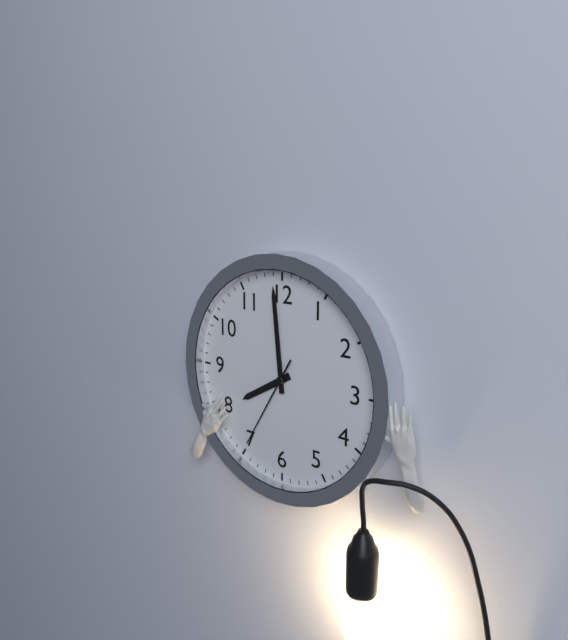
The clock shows **7:59:35**
